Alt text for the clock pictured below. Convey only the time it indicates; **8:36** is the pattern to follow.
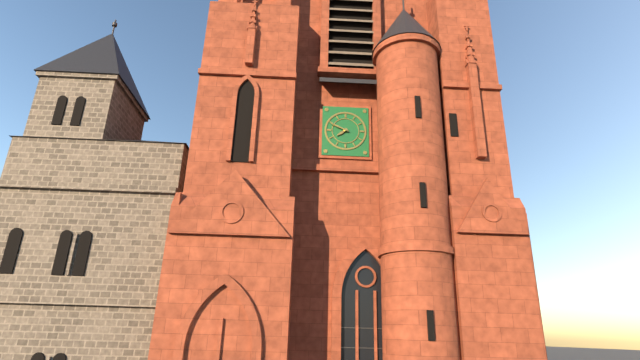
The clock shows **7:49**
